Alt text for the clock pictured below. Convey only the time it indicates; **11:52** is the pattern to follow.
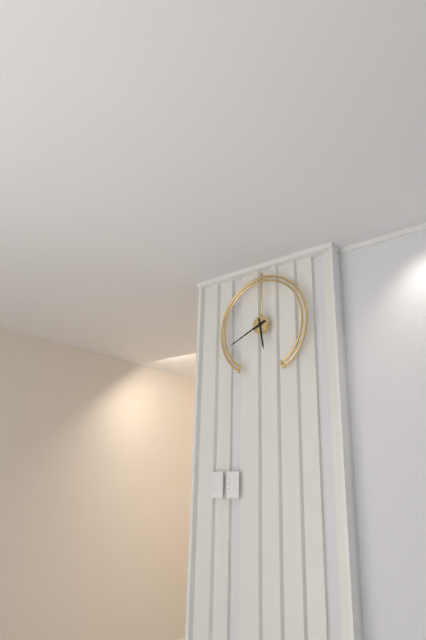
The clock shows **5:41**
